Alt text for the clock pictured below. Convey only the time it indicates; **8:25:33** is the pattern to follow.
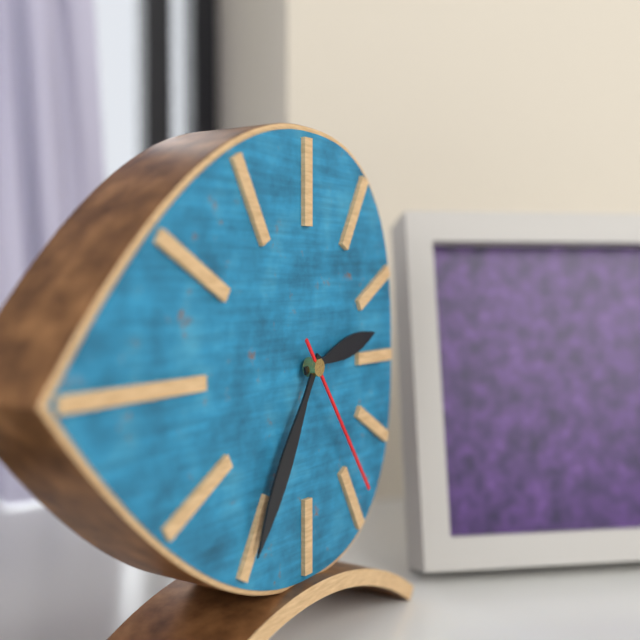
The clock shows **2:35:24**
